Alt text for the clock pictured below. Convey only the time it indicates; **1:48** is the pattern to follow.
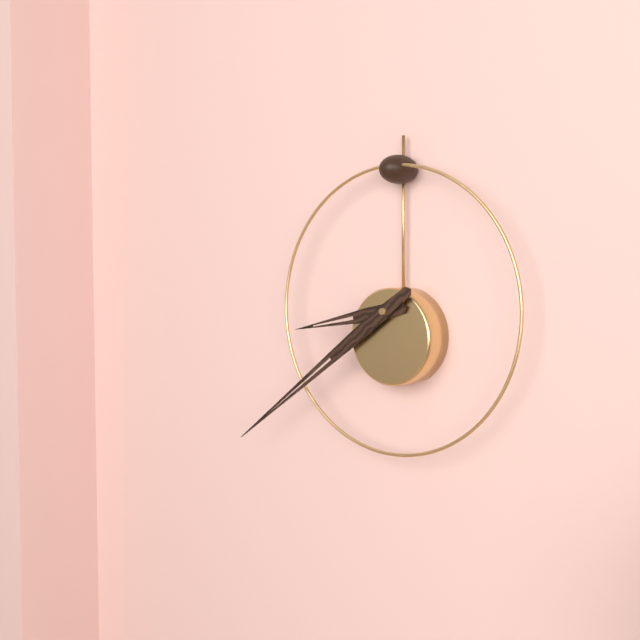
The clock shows **8:39**
